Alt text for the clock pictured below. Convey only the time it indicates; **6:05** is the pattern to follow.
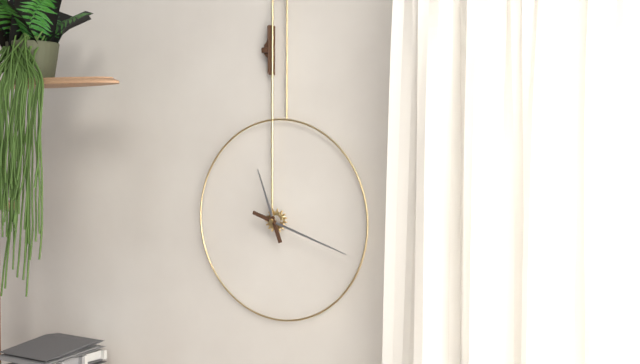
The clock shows **11:18**
